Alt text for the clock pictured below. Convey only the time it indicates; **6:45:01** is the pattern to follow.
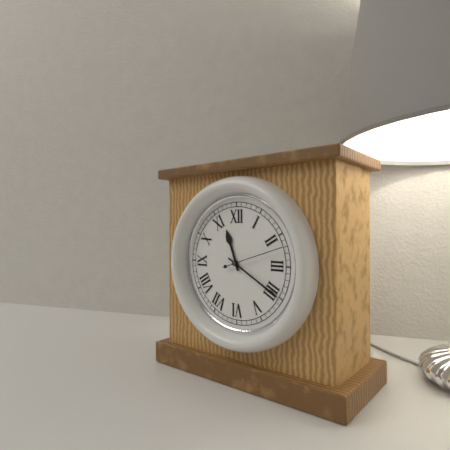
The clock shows **11:20:12**
